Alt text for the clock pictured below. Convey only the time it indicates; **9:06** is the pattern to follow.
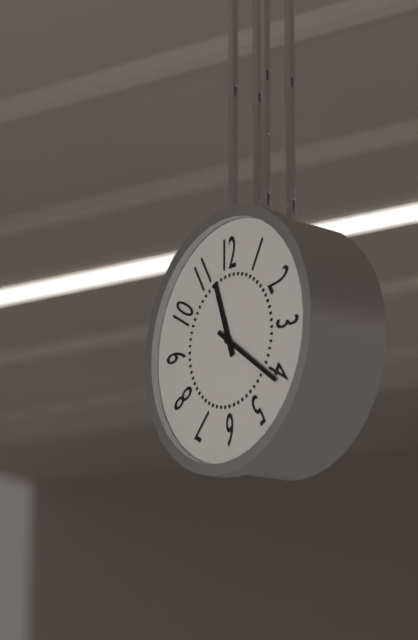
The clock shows **11:21**
